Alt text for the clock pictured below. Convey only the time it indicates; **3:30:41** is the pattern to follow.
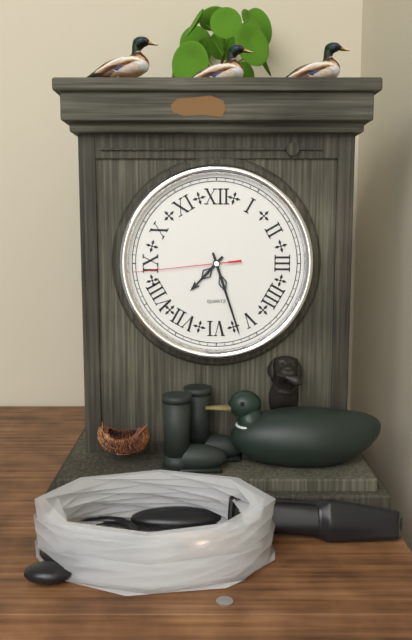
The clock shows **7:27:44**
